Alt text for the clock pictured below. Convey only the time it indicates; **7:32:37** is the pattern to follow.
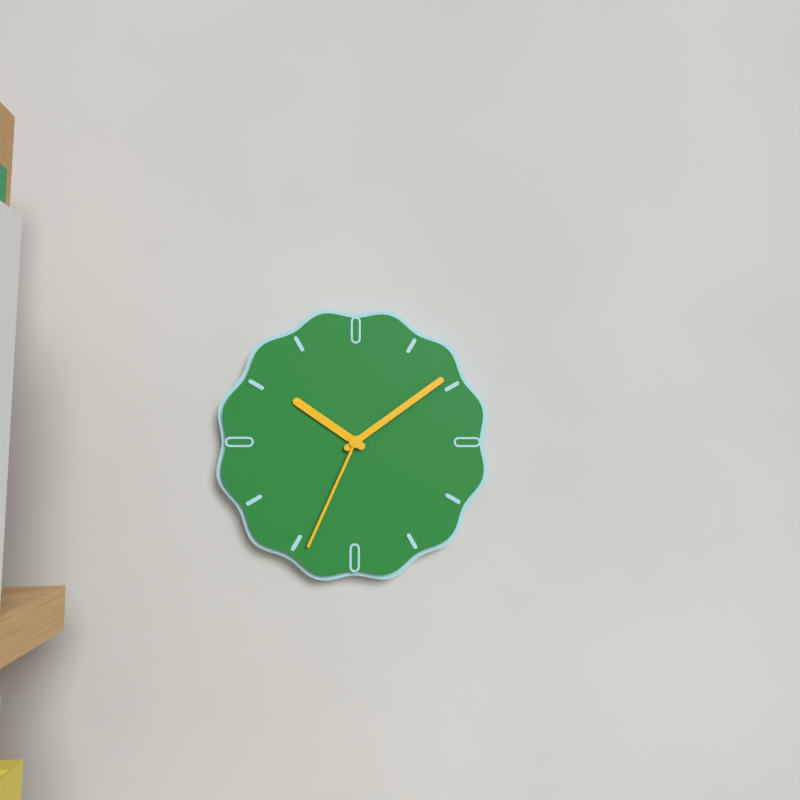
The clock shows **10:09:34**
